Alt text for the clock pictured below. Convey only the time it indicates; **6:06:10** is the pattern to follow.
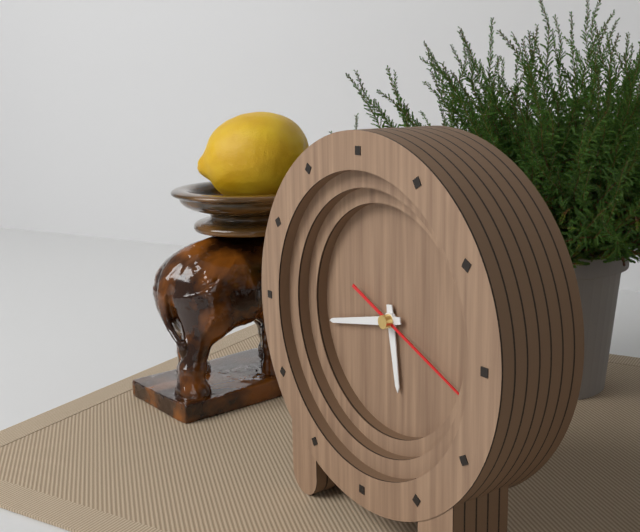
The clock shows **5:43:19**
